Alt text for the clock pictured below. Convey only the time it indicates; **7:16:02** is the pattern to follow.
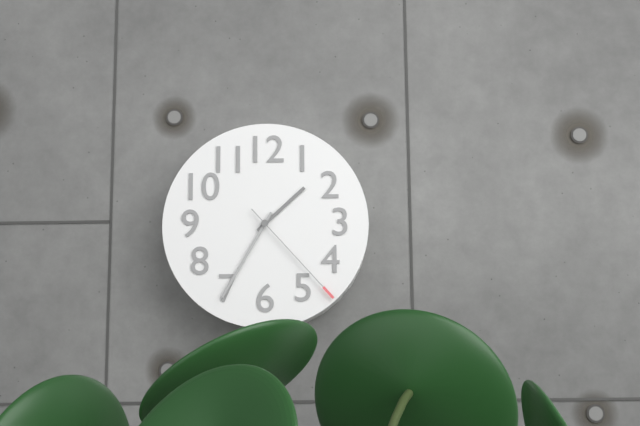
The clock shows **1:35:23**
